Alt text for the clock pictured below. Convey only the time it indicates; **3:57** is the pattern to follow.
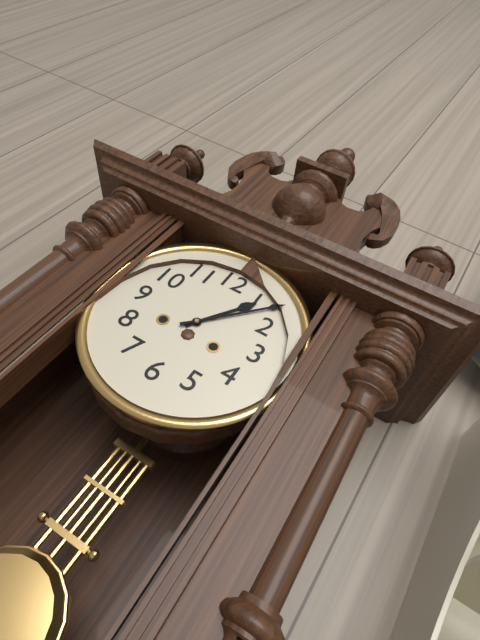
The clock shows **1:07**
